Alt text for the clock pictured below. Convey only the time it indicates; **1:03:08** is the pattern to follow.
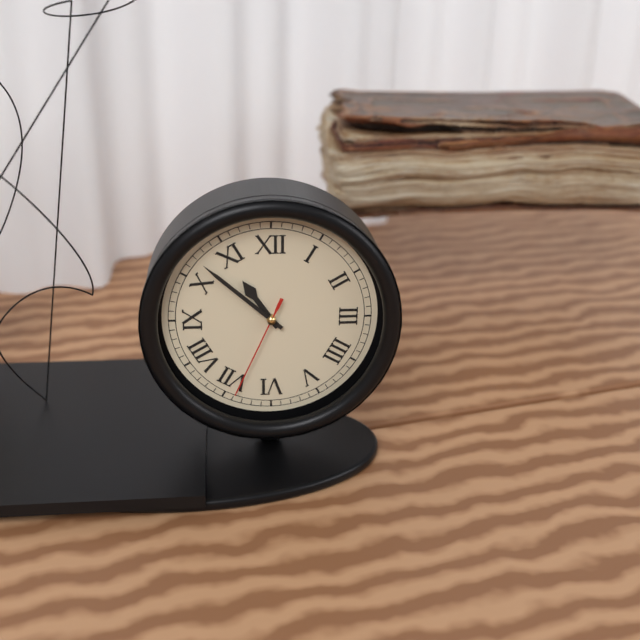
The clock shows **10:52:34**
